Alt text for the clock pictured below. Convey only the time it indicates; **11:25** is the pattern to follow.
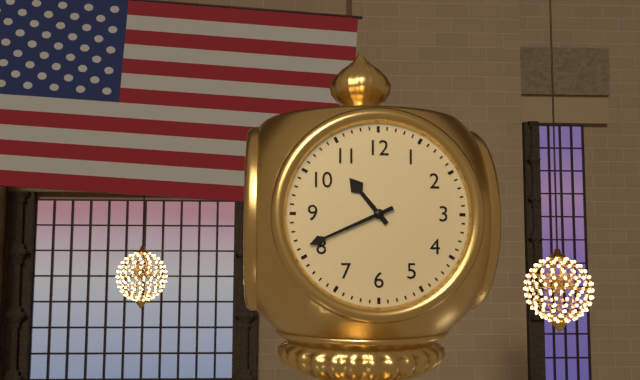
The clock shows **10:41**
